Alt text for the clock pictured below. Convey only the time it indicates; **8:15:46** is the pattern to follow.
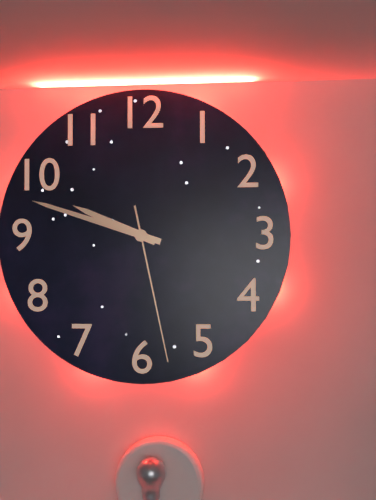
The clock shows **9:48:28**
